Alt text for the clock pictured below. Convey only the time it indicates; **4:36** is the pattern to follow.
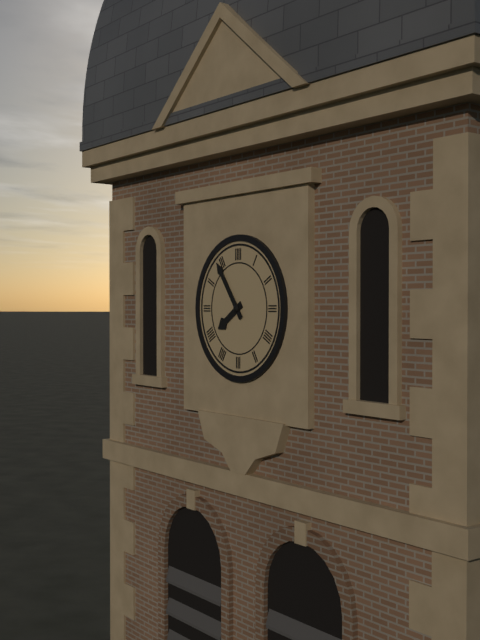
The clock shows **7:54**
